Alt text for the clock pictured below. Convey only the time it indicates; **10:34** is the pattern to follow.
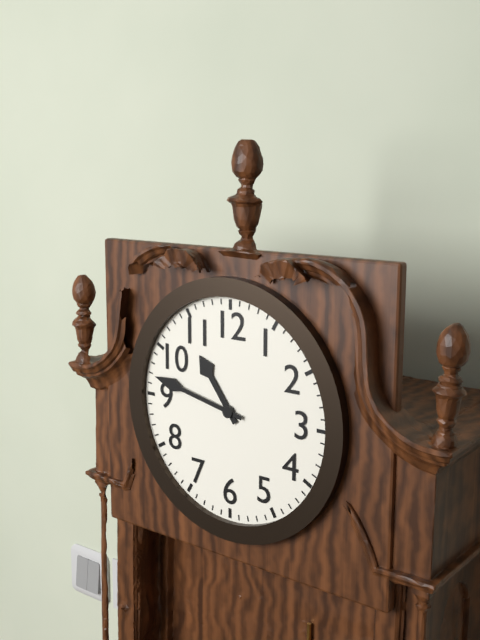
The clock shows **10:47**
